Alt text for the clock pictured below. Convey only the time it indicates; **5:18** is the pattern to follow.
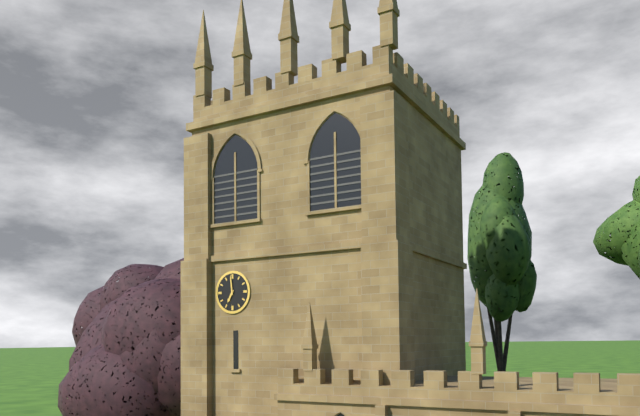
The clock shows **6:59**
